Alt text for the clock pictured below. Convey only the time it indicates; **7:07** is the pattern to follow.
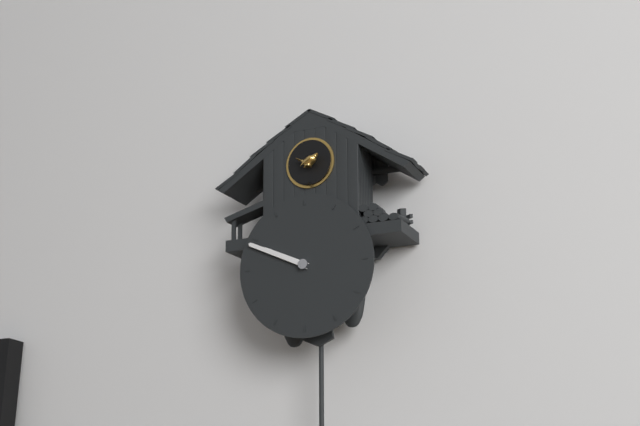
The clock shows **9:49**
